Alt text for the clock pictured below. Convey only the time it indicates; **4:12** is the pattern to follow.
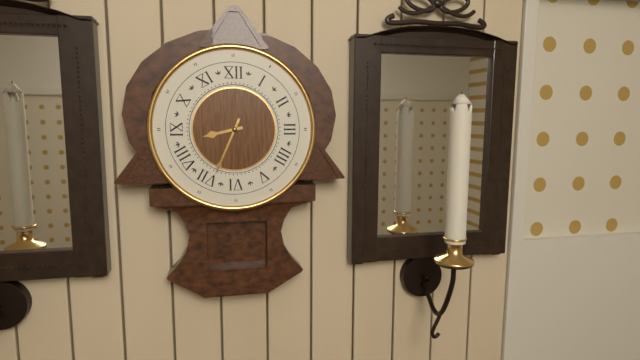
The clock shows **8:34**
